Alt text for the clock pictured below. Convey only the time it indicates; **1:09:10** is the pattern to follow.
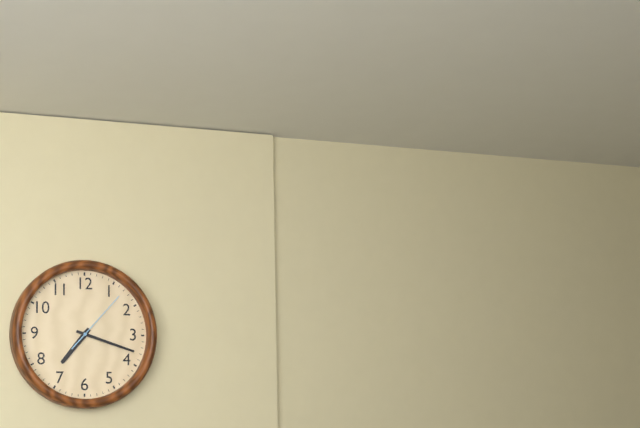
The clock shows **7:18:07**
